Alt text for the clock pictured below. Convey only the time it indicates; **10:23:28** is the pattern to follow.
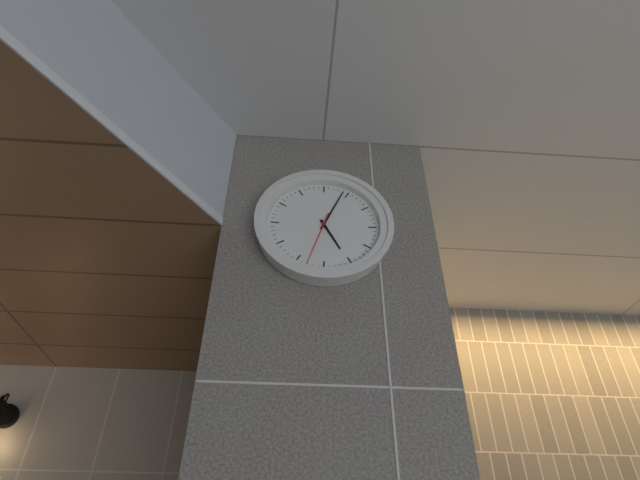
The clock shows **5:04:33**
